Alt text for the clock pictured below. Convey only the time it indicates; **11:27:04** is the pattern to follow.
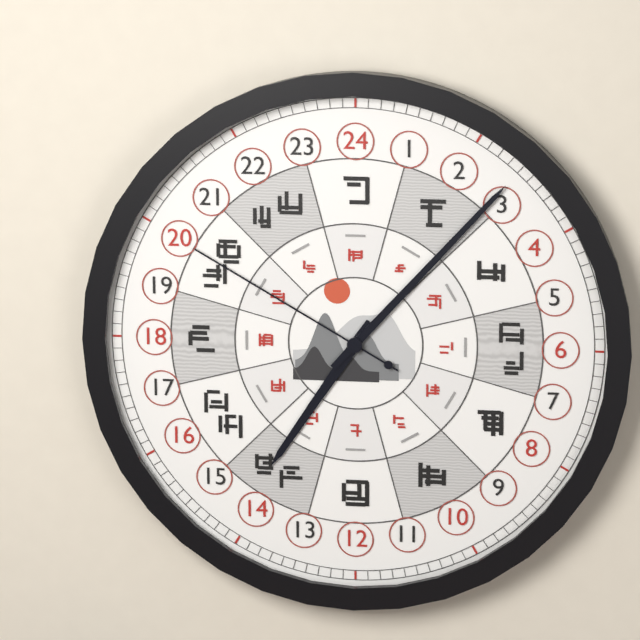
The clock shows **7:07:50**
